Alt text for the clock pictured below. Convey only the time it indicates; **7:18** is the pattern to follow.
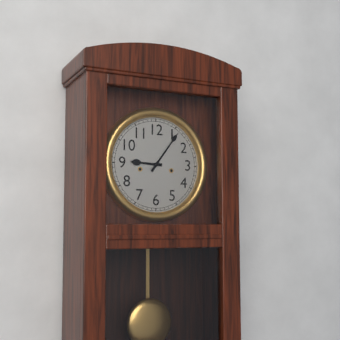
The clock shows **9:06**
